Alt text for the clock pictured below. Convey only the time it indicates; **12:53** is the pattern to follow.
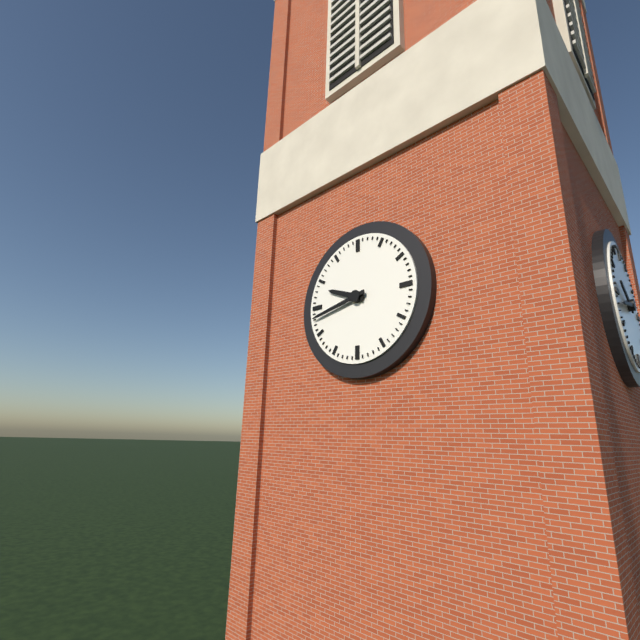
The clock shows **9:43**
